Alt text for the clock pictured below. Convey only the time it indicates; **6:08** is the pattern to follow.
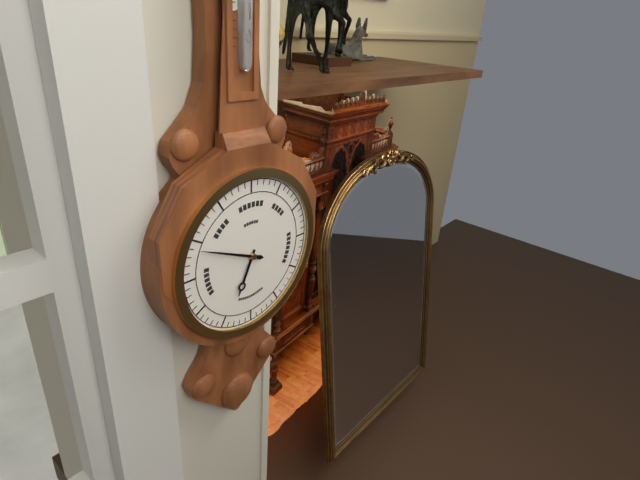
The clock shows **6:49**
